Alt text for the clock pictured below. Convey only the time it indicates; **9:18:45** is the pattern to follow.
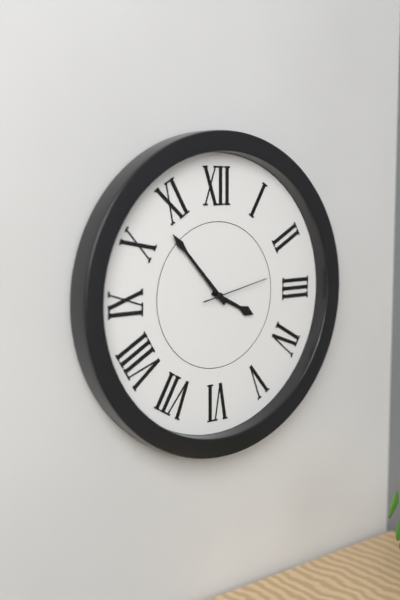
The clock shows **3:53:13**
